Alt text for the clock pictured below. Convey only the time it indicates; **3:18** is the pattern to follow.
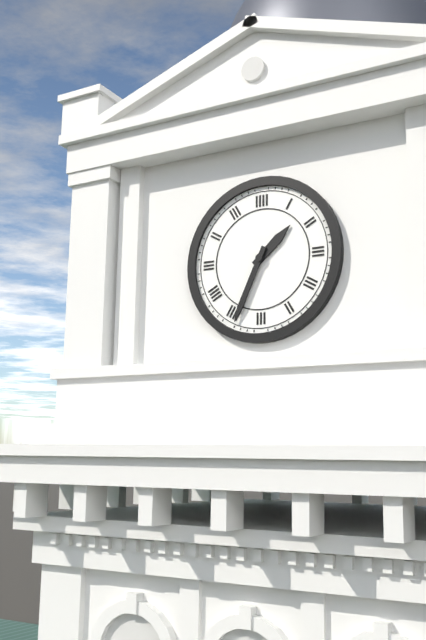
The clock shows **1:34**
